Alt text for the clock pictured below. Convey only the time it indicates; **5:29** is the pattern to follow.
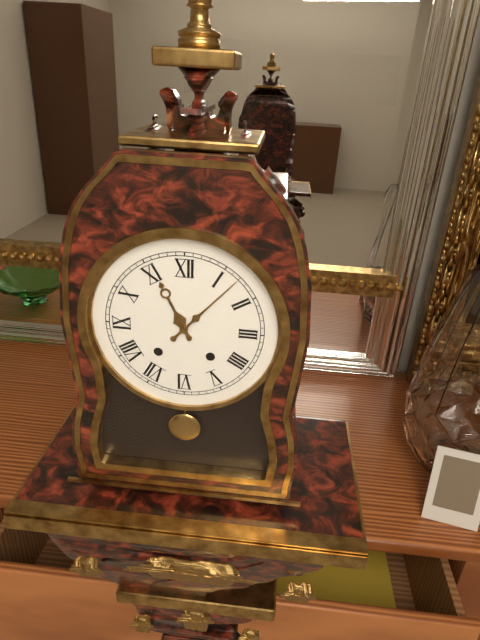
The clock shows **11:07**
